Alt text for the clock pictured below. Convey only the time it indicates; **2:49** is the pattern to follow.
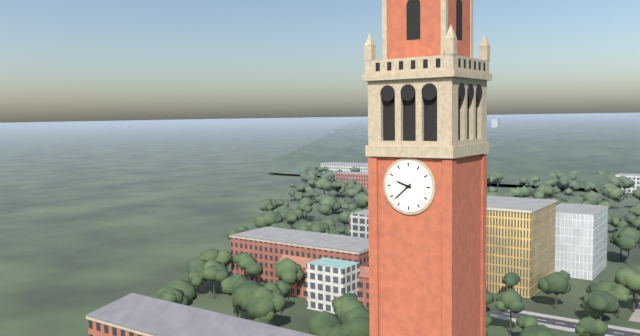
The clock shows **9:38**
